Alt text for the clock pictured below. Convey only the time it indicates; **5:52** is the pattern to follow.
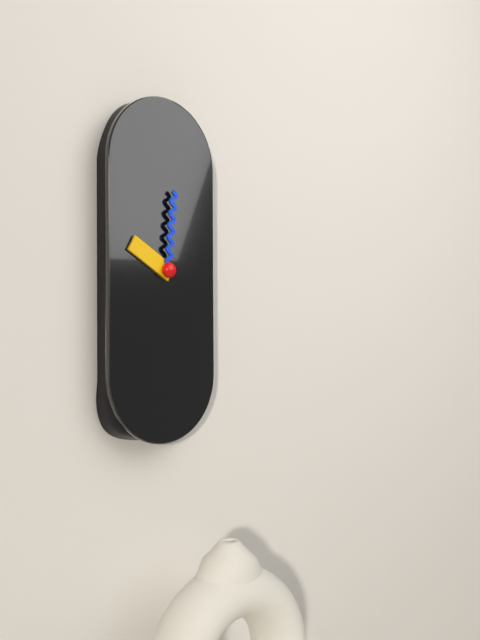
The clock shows **10:01**
